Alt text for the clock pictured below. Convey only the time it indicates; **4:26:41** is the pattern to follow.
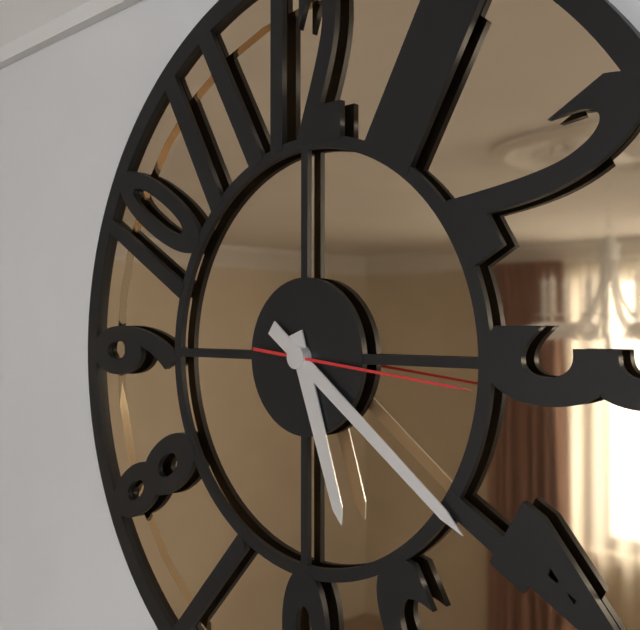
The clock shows **5:21:16**
